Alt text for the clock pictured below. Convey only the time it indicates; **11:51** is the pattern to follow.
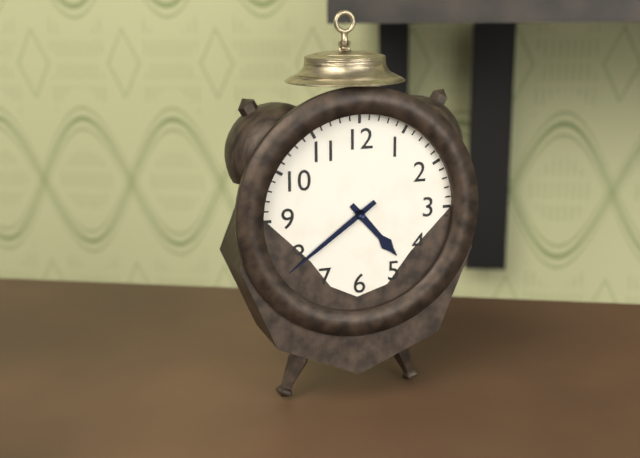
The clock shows **4:39**
